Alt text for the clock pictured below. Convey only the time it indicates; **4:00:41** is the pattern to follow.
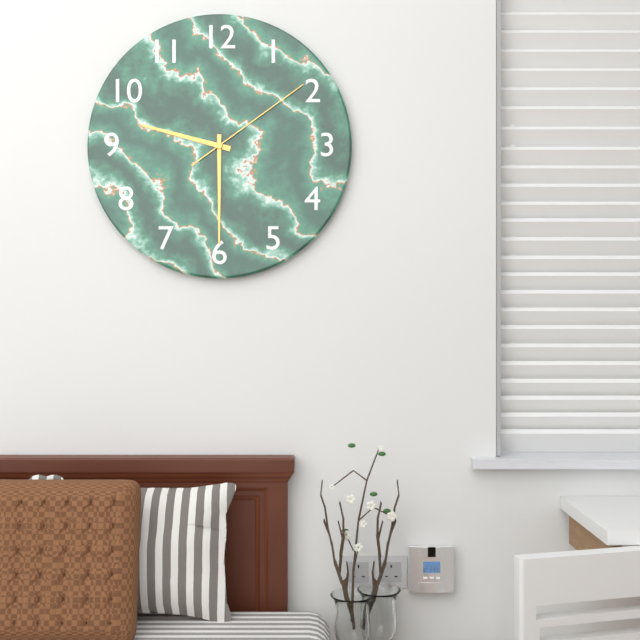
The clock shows **9:30:09**
